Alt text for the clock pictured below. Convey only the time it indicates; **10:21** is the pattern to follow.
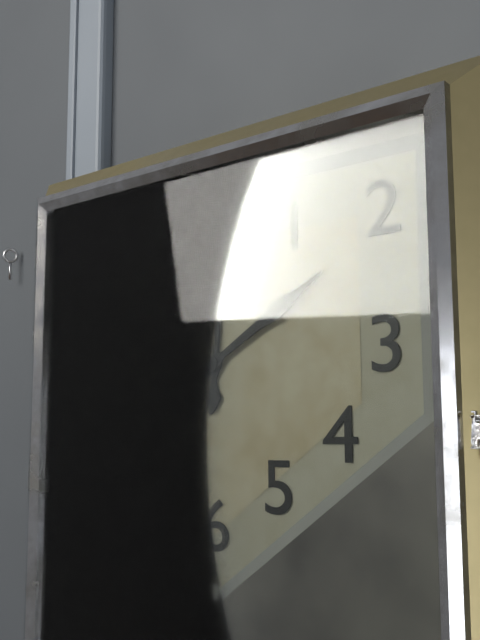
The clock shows **12:10**
